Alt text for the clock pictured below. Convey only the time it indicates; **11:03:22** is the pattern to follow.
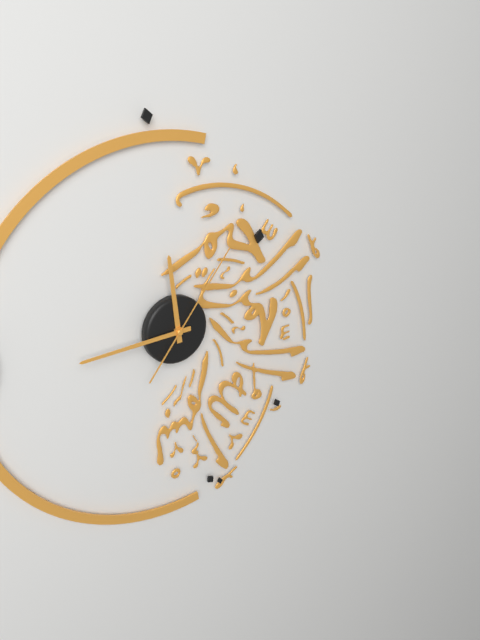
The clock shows **11:44:06**
